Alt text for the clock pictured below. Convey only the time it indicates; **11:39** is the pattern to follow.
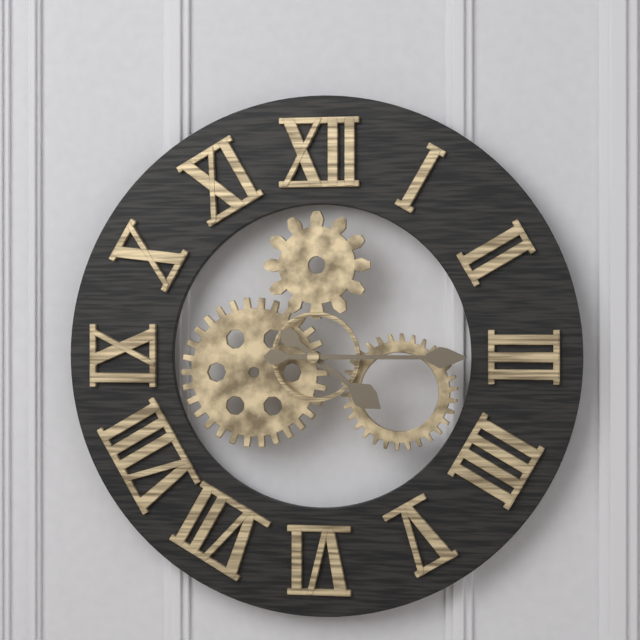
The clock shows **4:15**
